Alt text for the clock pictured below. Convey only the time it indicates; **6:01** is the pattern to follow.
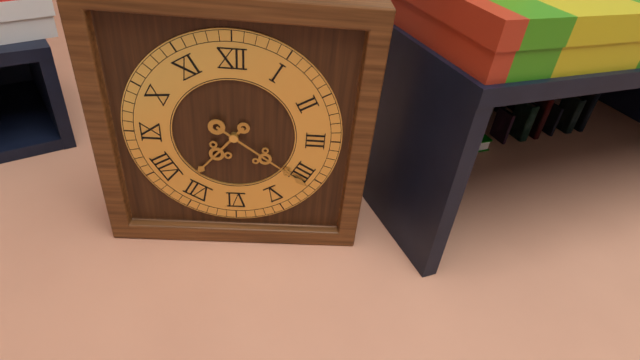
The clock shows **7:21**
